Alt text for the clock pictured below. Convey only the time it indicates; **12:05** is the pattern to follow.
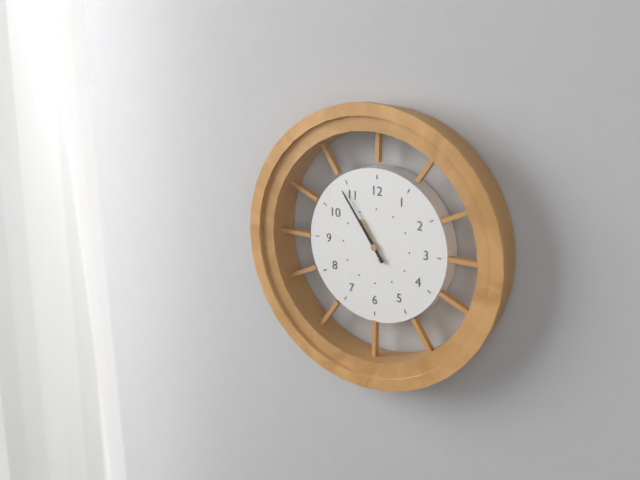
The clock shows **10:54**
